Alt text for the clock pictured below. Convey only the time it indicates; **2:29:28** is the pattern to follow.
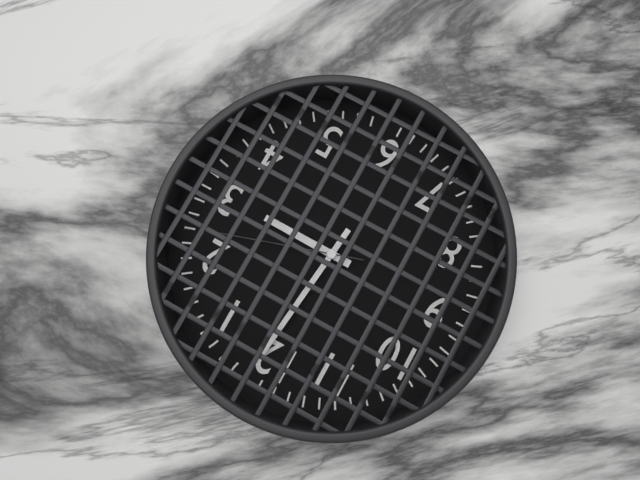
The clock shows **3:01:12**
